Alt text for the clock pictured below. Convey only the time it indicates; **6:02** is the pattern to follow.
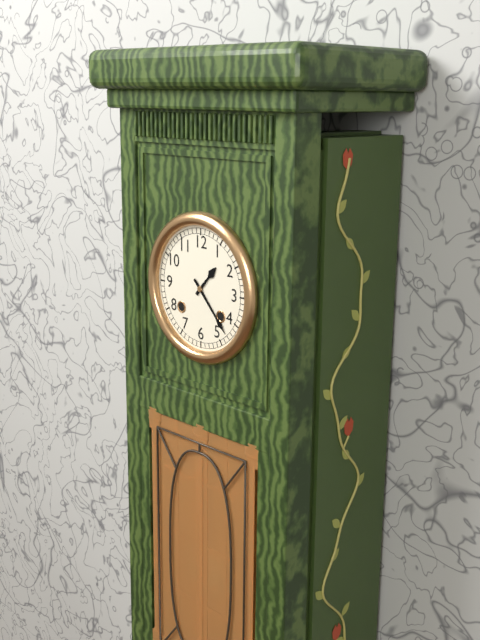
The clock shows **1:23**
